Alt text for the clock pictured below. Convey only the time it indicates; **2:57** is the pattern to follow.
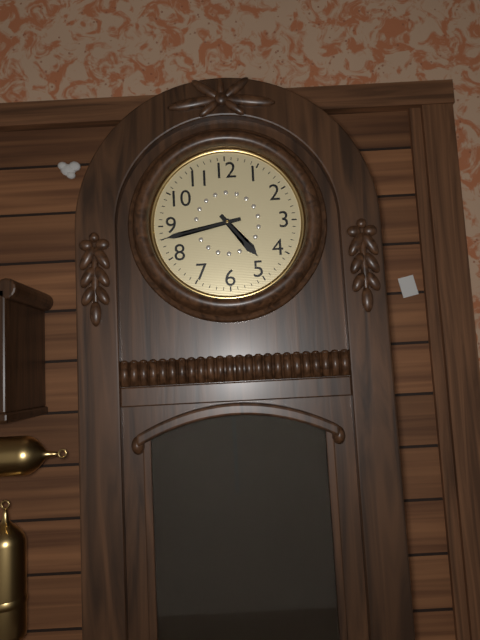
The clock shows **4:43**
